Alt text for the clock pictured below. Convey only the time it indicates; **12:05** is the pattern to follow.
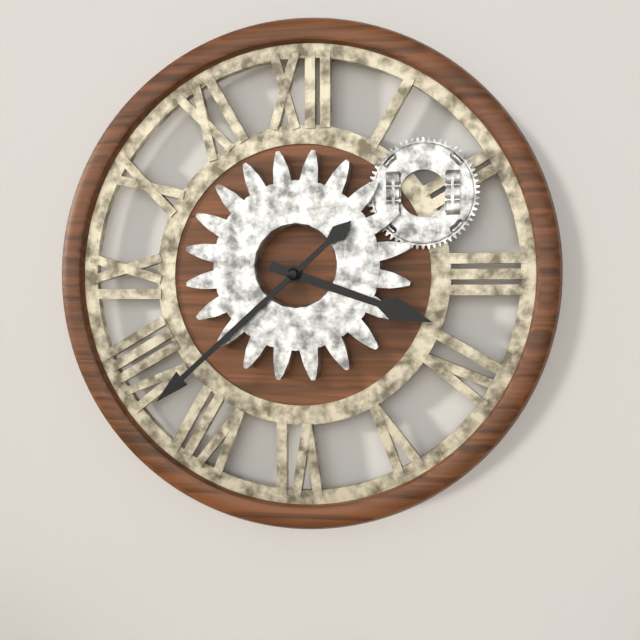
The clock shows **3:38**
